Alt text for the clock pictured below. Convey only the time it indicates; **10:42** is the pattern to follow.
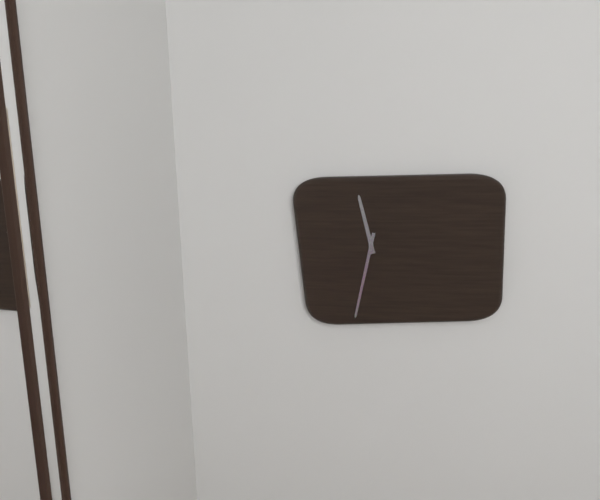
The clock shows **11:32**
